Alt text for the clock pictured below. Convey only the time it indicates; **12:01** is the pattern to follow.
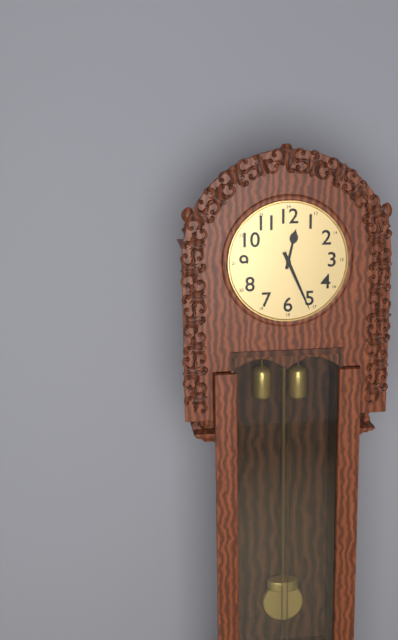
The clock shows **12:26**
